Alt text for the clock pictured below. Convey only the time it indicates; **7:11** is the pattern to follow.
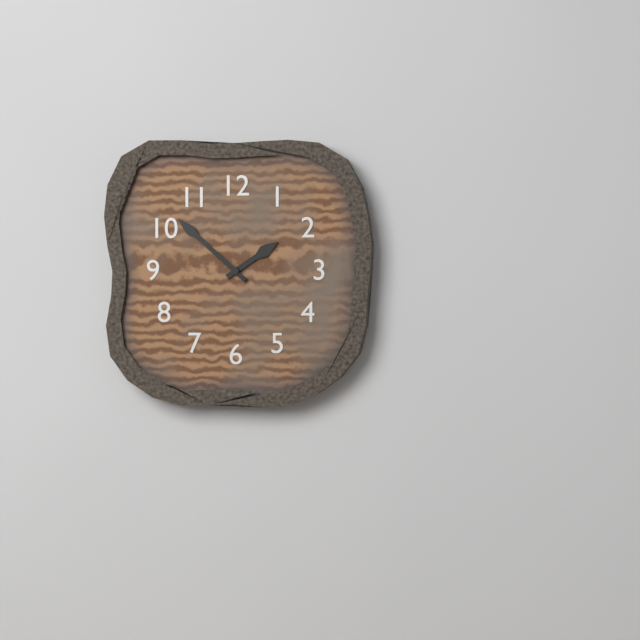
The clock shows **1:52**
